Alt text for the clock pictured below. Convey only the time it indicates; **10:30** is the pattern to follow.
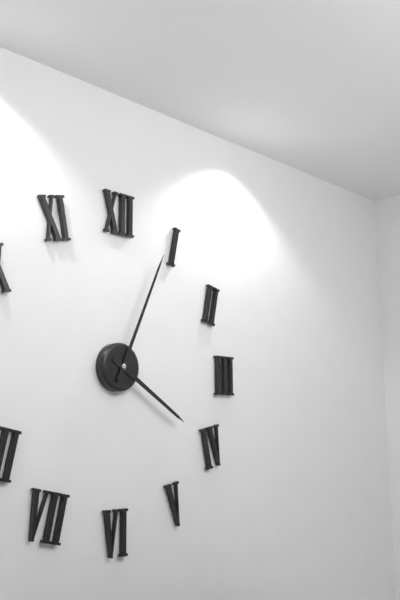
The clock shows **4:04**
